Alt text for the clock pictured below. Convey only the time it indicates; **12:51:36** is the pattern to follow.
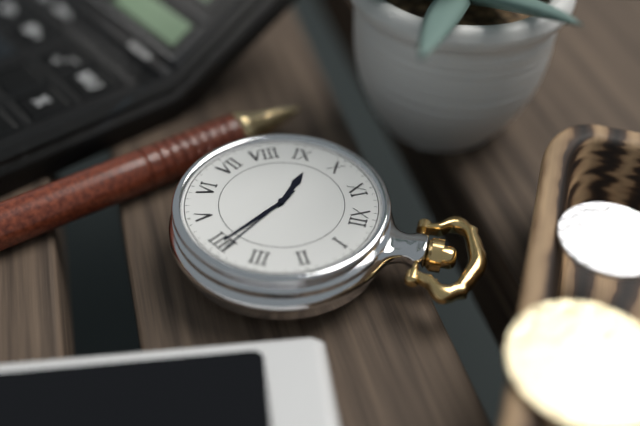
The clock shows **9:20:19**
